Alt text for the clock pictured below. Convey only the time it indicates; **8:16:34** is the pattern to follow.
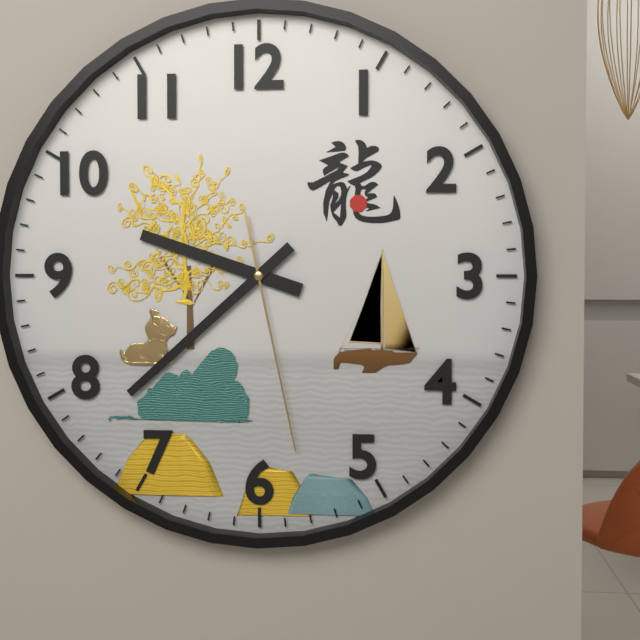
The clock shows **9:38:28**
